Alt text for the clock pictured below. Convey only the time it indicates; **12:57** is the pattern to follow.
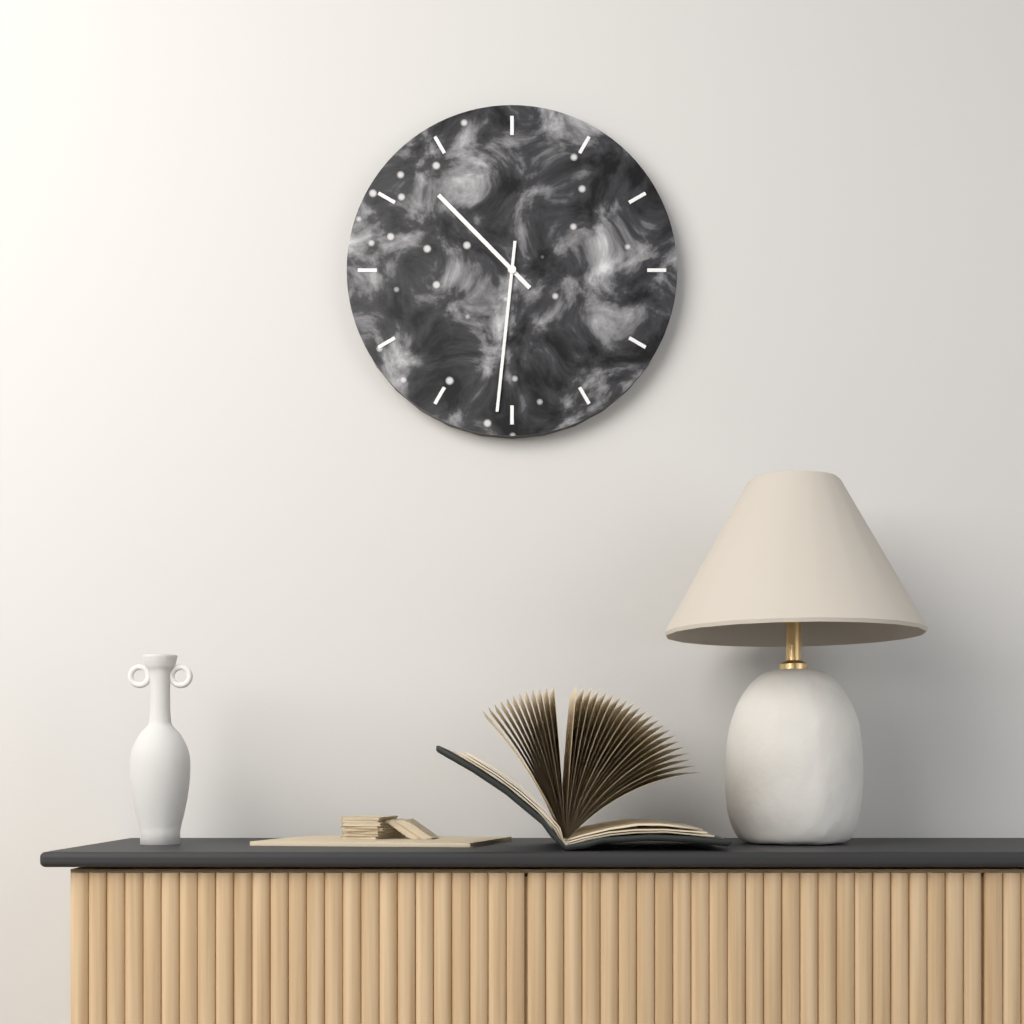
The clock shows **10:31**
